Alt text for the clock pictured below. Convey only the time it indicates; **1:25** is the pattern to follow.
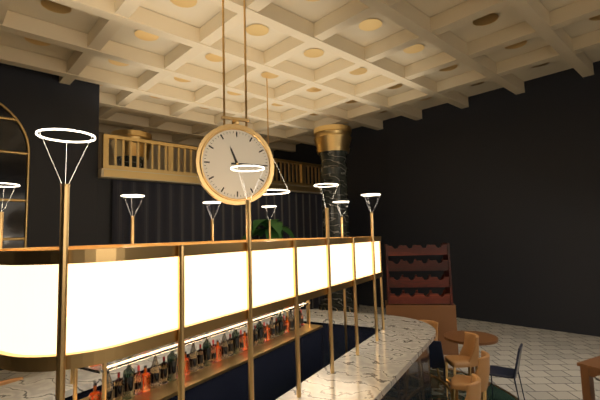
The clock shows **11:15**
